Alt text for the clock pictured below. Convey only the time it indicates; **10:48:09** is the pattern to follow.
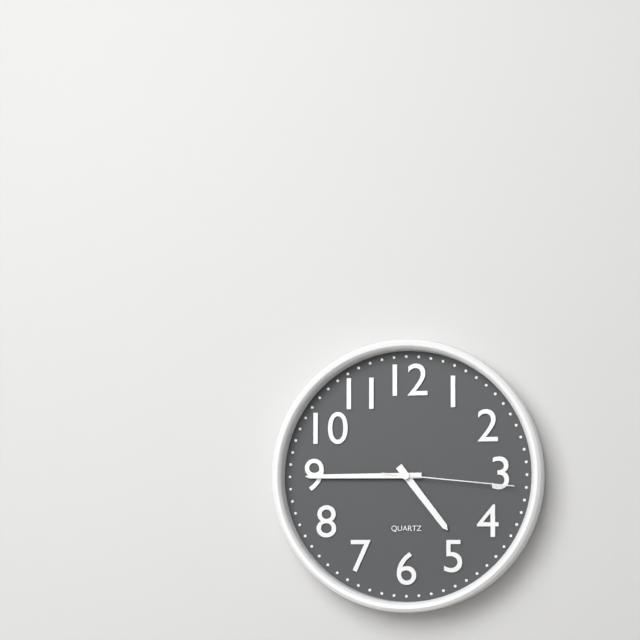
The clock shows **4:45:16**
